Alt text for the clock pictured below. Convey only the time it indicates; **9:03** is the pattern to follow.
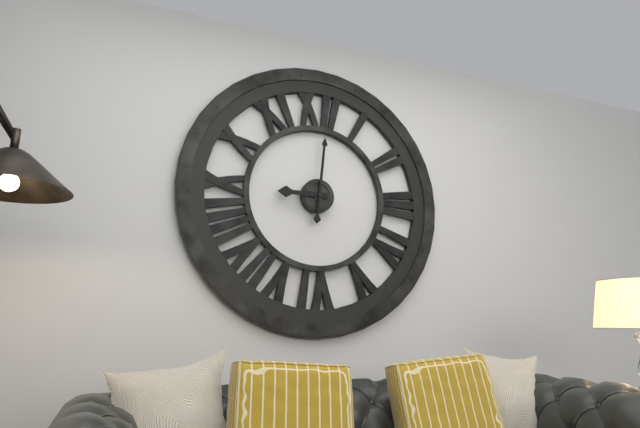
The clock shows **9:01**
